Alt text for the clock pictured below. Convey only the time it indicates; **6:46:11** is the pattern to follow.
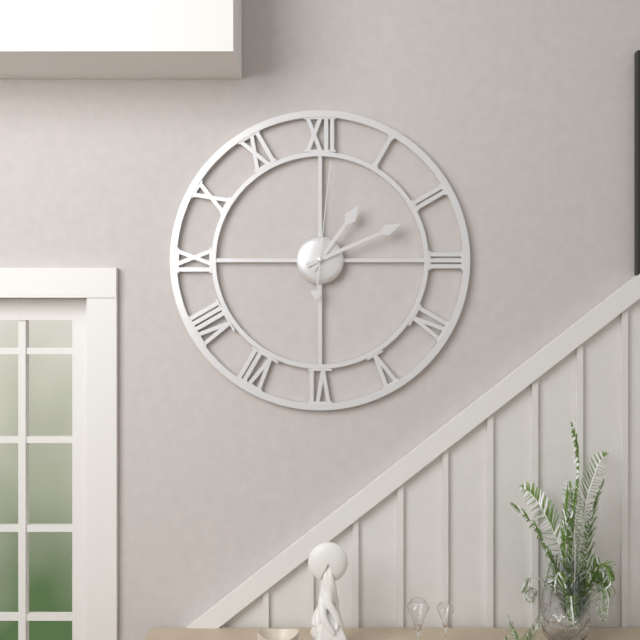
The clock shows **1:11:01**
